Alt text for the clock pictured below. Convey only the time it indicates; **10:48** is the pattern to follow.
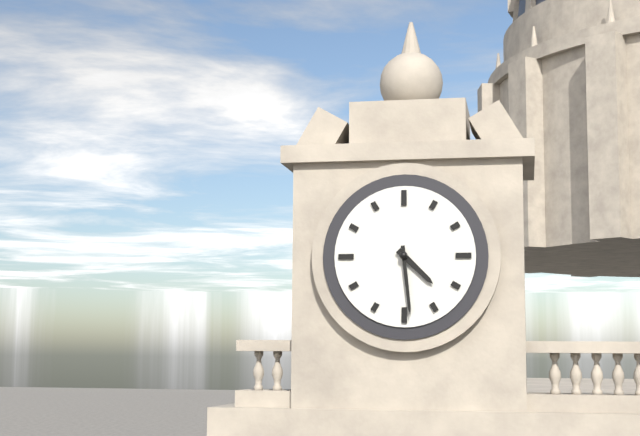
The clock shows **4:29**
